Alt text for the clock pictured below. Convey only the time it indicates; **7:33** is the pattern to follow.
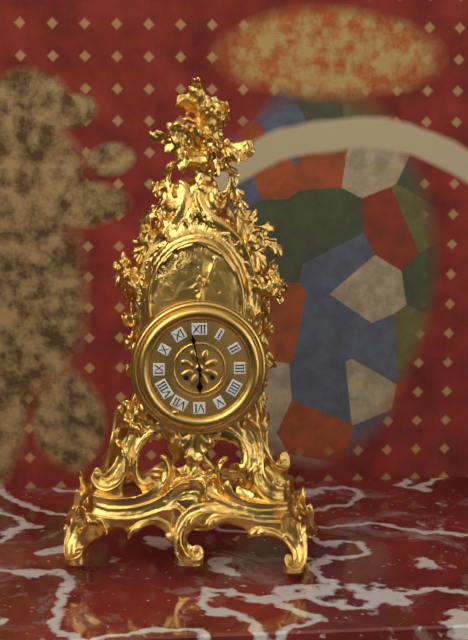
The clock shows **5:58**
